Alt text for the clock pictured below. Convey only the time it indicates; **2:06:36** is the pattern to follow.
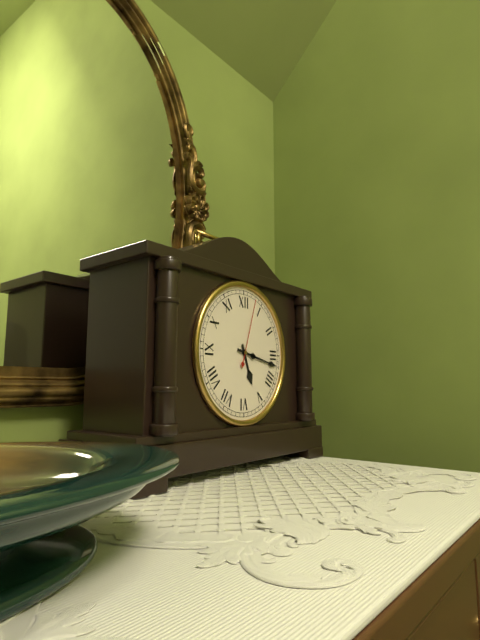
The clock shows **5:17:03**
